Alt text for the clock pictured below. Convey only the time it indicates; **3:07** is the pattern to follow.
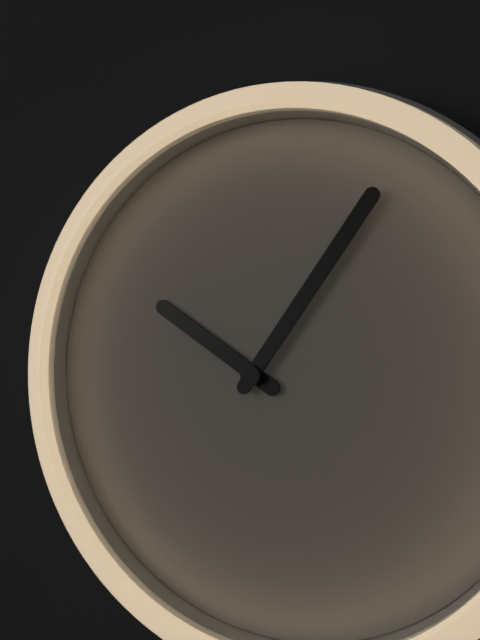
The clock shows **10:06**
